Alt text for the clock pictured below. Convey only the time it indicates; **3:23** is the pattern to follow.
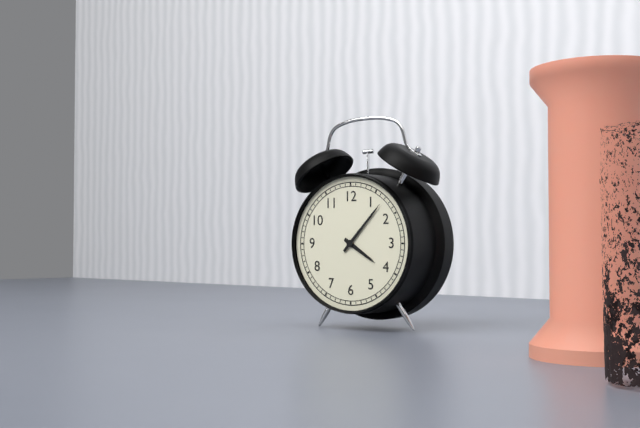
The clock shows **4:07**
